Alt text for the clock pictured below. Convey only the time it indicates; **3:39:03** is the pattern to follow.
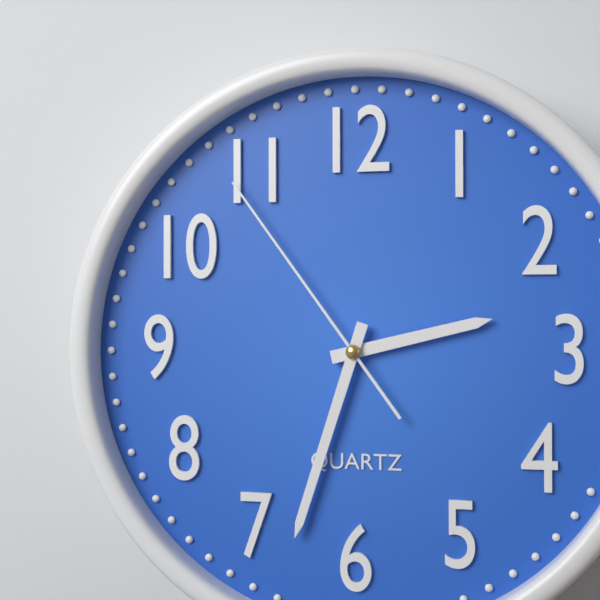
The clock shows **2:33:54**
